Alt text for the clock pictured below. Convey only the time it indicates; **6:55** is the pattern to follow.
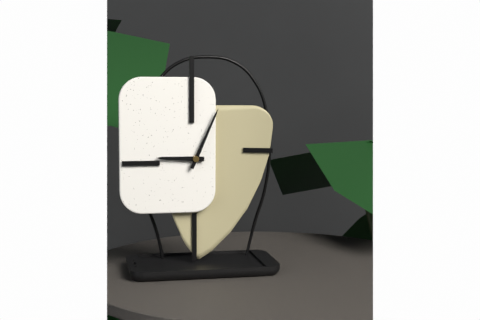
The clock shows **9:04**
